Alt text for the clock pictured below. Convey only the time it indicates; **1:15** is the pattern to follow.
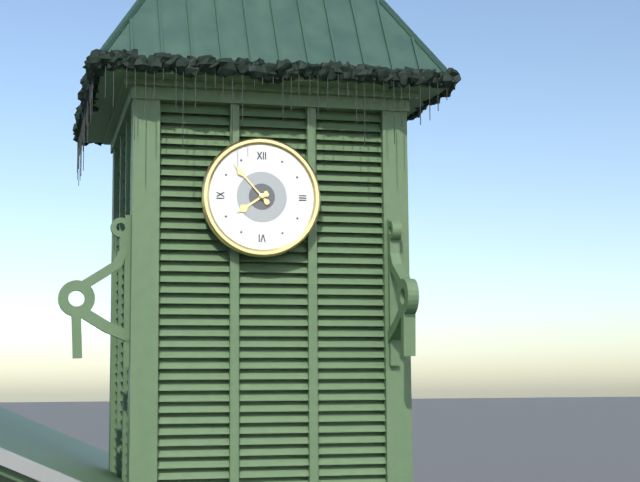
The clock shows **7:53**
